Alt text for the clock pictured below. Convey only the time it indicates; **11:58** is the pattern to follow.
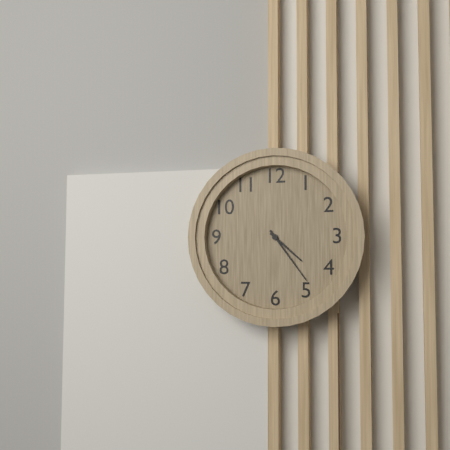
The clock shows **4:24**
